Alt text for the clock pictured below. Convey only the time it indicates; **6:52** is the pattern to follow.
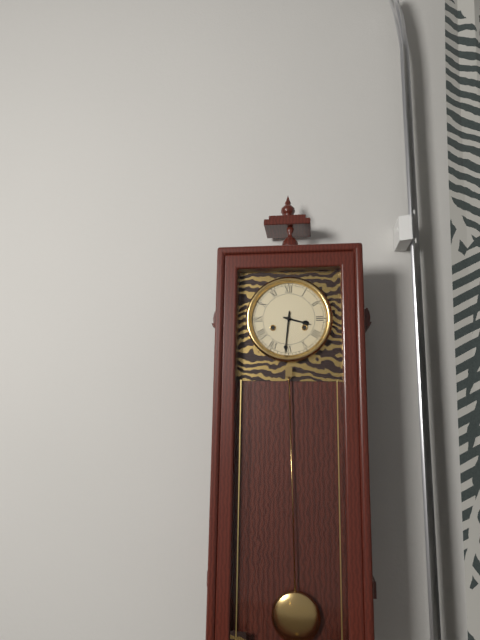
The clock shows **3:31**
